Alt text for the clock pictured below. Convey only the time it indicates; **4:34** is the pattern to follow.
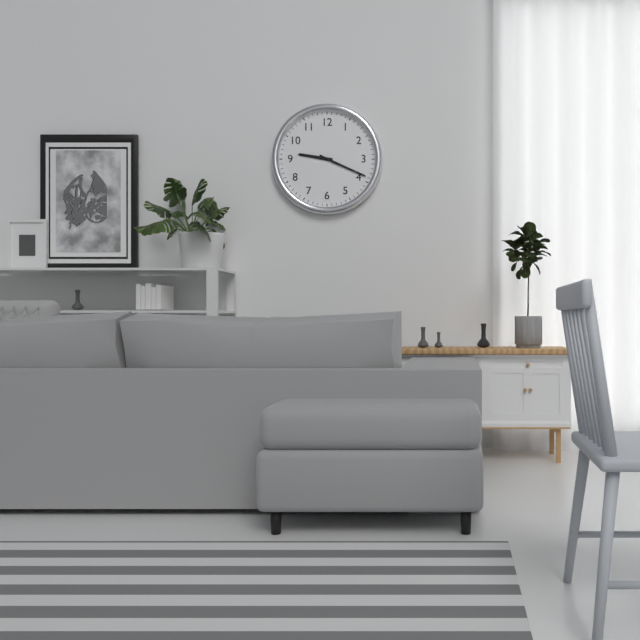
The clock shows **9:19**
